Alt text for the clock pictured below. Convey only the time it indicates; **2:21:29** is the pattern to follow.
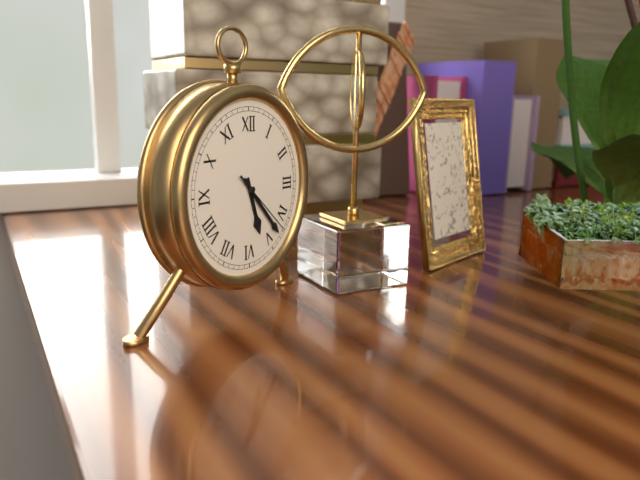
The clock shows **5:23:22**
